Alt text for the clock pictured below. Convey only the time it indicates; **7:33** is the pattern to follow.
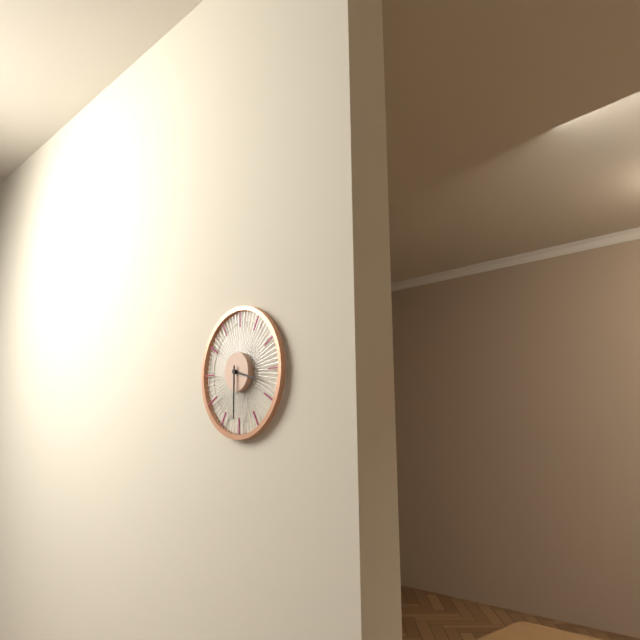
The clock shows **3:30**
